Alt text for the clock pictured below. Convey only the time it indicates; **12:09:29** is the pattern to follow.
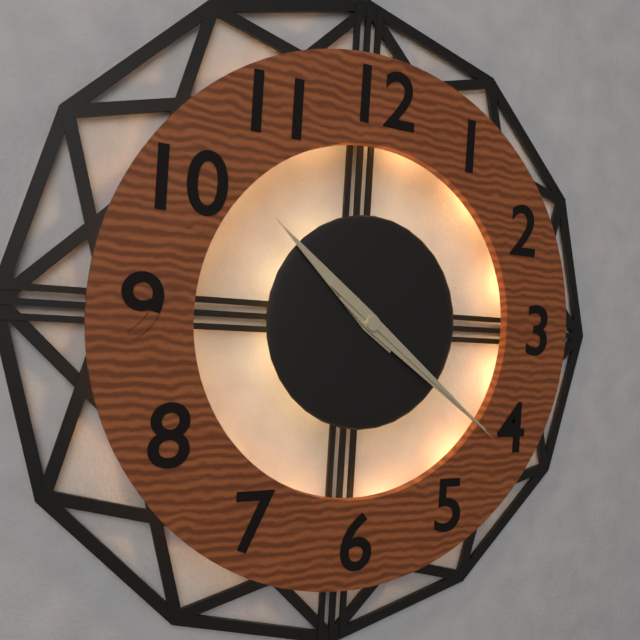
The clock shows **10:21:21**
